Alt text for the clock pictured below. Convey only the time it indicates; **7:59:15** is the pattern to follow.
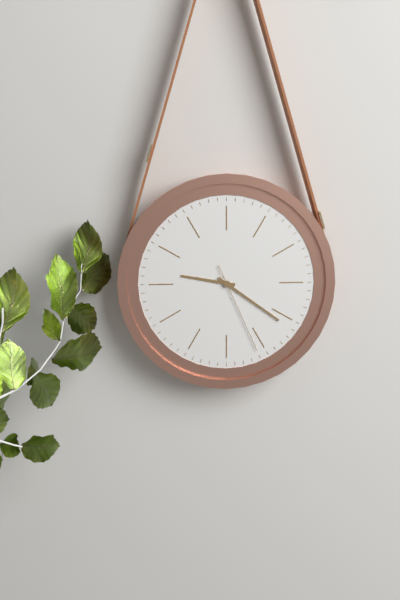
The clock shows **9:21:26**
